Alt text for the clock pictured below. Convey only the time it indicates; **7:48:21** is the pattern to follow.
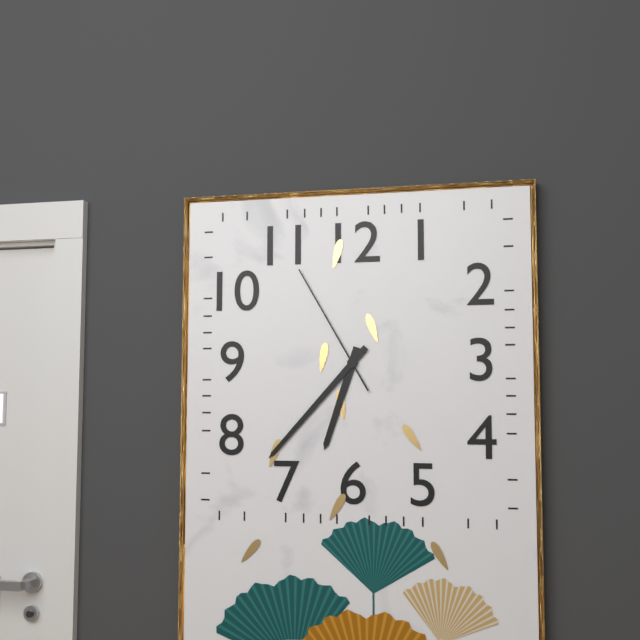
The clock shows **6:37:55**
